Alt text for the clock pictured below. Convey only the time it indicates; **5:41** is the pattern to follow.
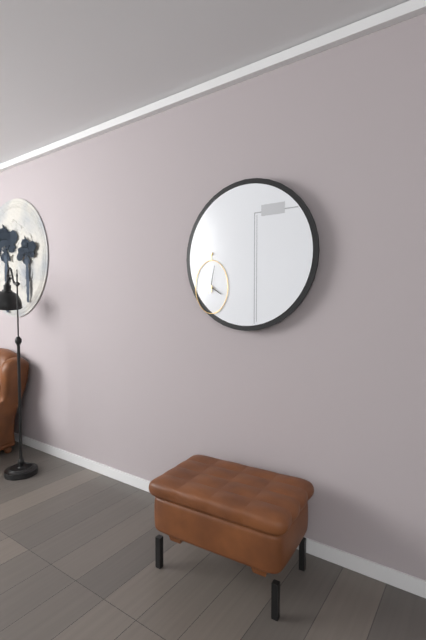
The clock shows **4:02**
